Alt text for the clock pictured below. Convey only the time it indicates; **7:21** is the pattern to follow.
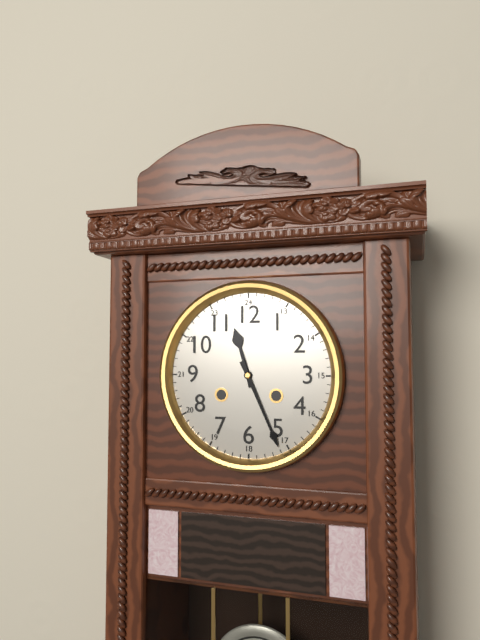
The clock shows **11:26**
